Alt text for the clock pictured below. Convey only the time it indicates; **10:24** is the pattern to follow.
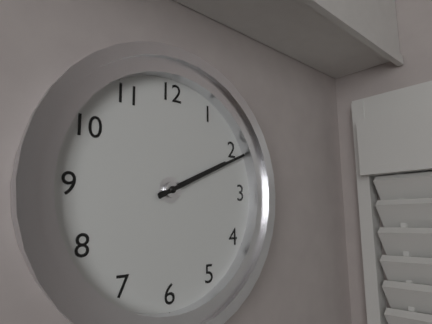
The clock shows **2:11**
